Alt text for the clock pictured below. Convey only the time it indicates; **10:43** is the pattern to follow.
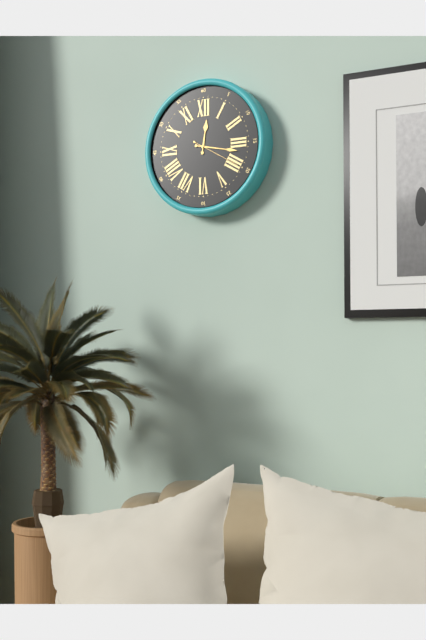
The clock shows **12:17**
